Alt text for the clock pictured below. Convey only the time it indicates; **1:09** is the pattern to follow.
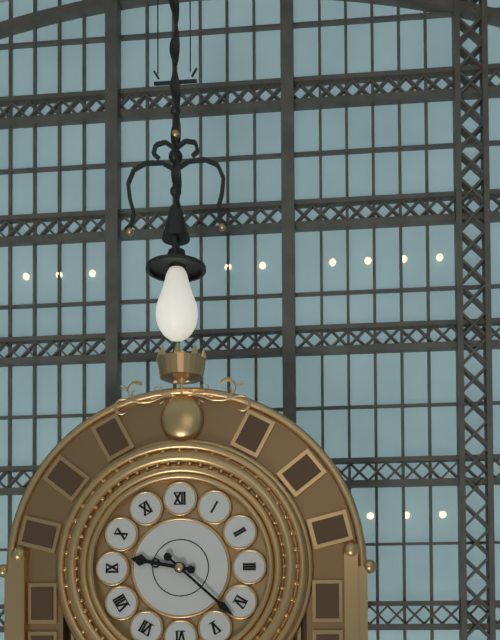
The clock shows **9:22**
